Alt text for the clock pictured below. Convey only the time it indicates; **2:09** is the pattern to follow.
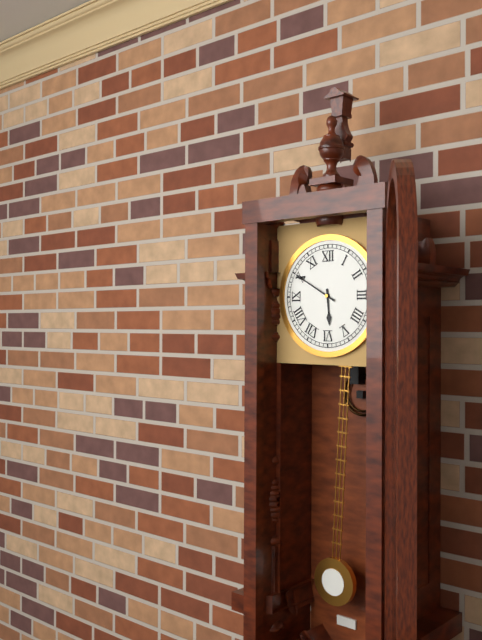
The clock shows **5:50**
